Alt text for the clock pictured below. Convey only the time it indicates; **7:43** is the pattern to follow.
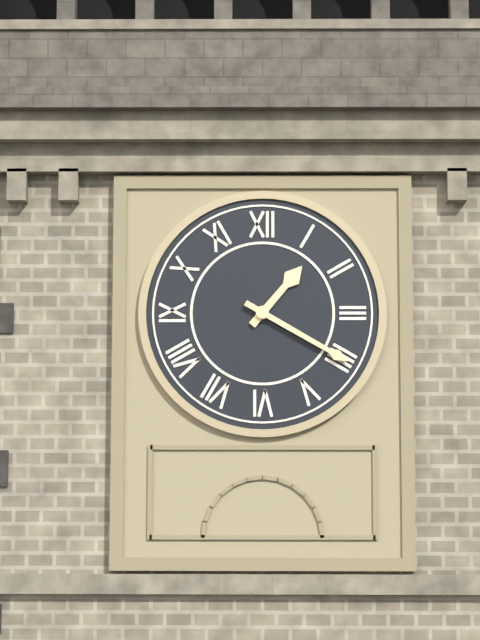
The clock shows **1:20**
